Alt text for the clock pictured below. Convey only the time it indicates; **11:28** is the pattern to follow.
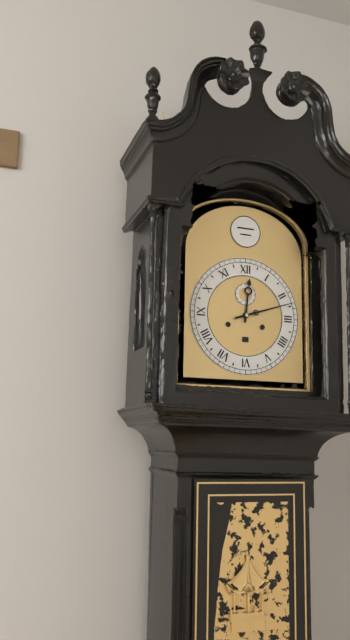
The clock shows **12:12**
